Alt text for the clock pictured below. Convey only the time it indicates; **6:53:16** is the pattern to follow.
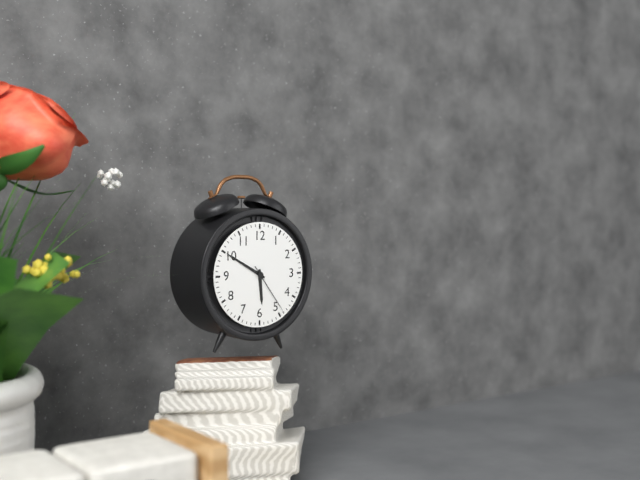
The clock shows **5:50:24**
